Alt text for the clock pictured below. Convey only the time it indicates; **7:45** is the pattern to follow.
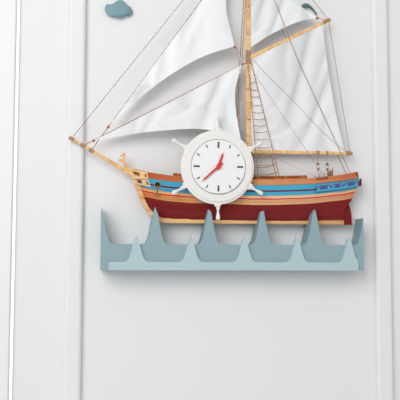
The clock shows **12:38**
